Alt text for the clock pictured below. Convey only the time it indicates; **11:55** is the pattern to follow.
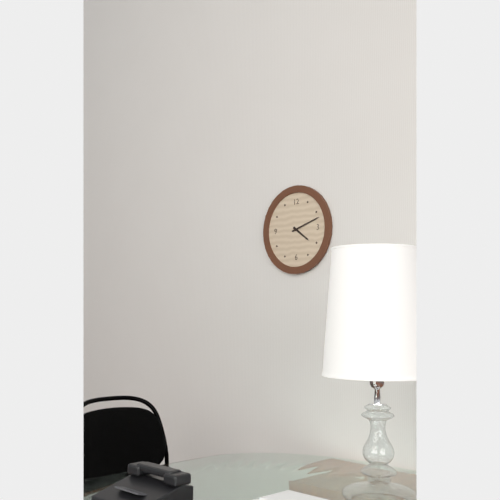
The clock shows **4:12**
